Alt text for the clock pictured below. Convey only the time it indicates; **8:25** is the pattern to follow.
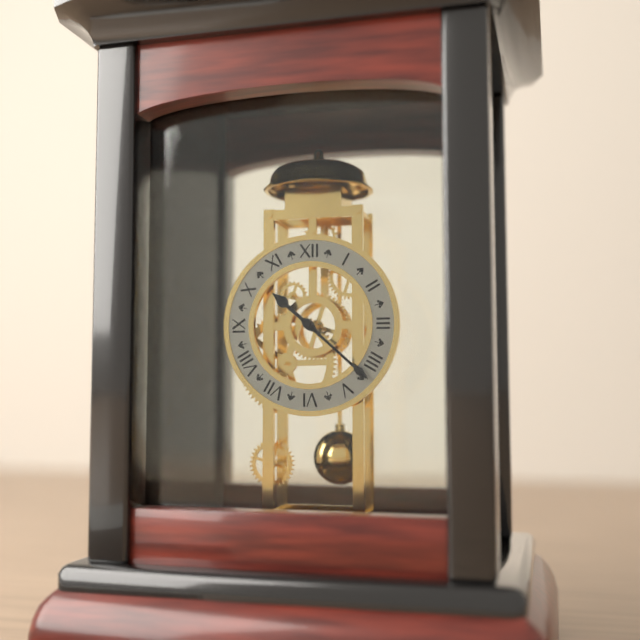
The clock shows **10:22**
